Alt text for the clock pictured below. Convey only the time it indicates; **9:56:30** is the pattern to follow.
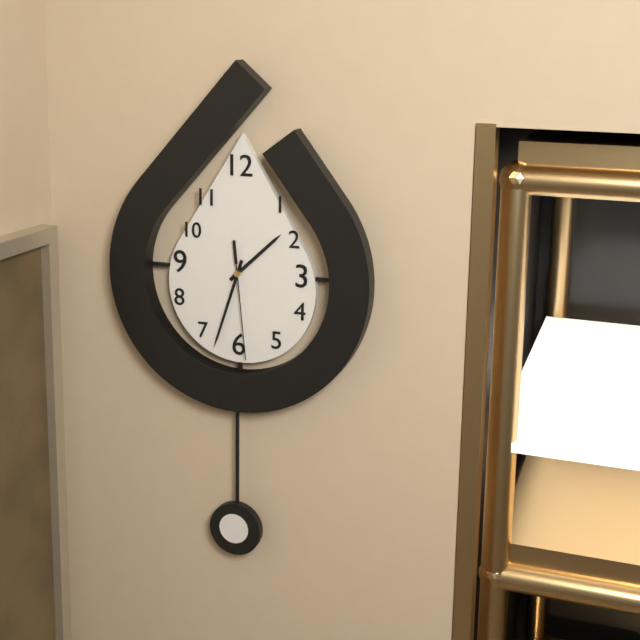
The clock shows **1:33:29**
